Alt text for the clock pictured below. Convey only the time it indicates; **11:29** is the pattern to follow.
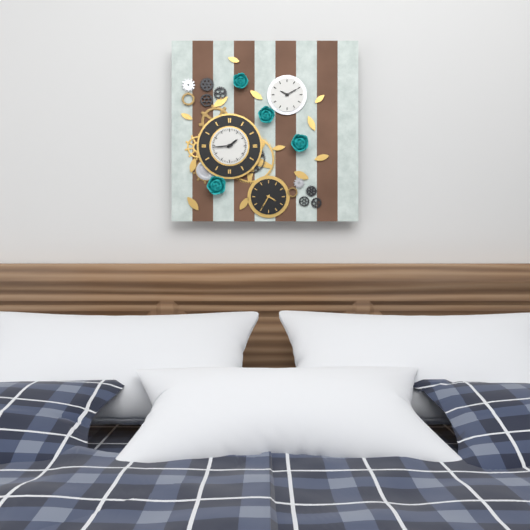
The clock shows **1:44**
